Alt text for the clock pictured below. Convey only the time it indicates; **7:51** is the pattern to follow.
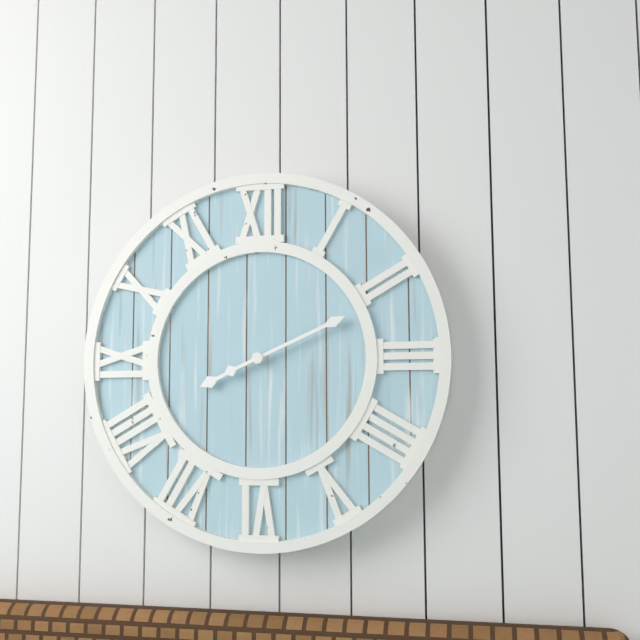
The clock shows **8:11**
